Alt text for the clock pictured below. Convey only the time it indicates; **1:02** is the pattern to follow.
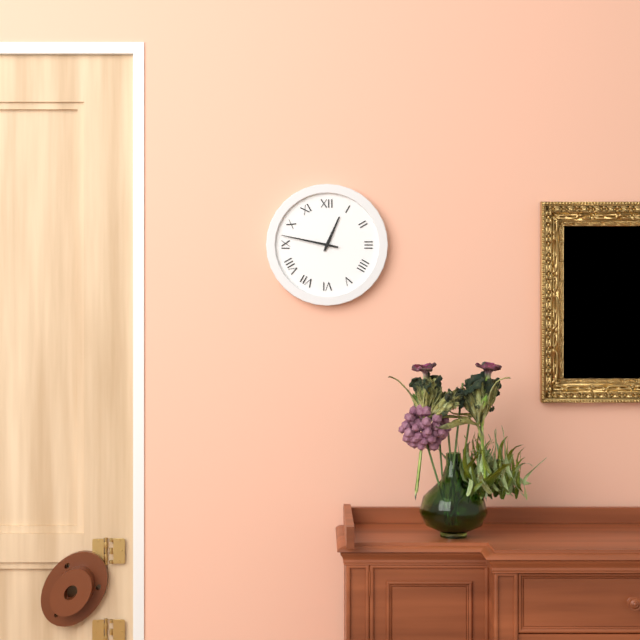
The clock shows **12:47**
